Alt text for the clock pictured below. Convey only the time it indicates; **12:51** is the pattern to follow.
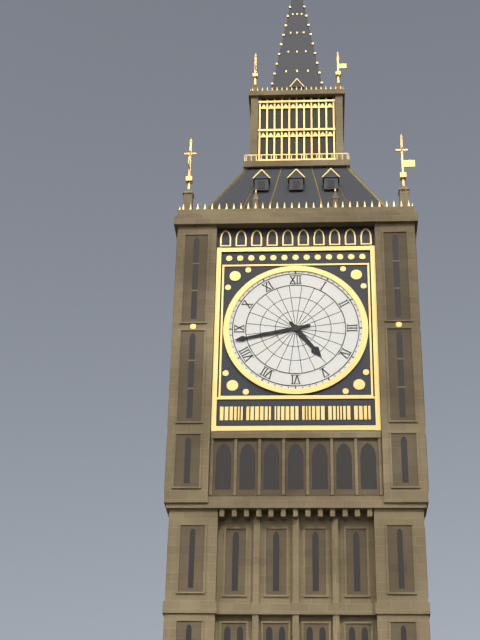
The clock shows **4:43**
